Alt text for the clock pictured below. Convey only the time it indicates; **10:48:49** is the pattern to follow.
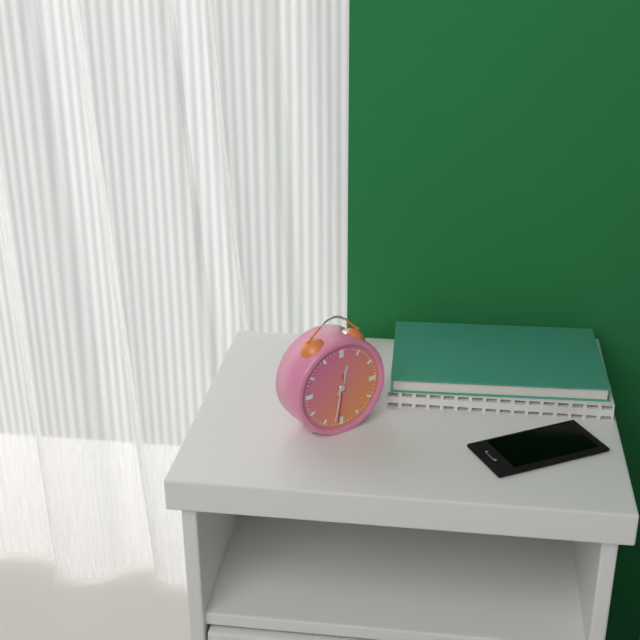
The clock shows **12:32:31**
